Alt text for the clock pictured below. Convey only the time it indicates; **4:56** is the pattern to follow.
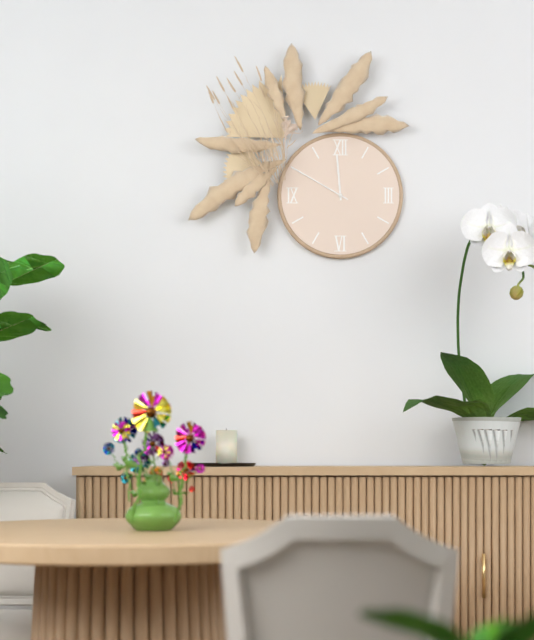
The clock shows **11:50**
